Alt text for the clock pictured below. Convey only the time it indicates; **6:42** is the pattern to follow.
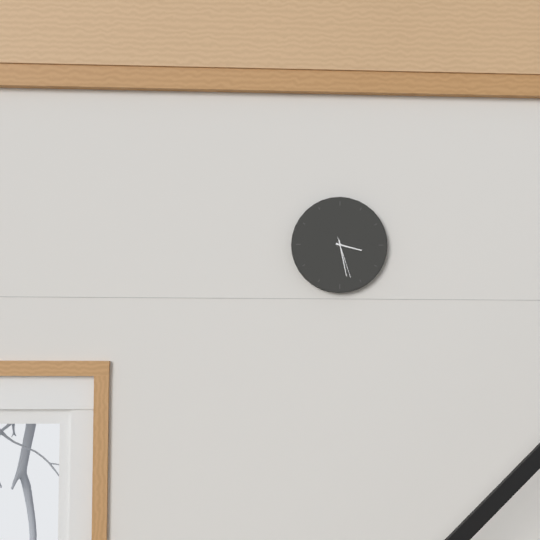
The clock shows **3:28**
